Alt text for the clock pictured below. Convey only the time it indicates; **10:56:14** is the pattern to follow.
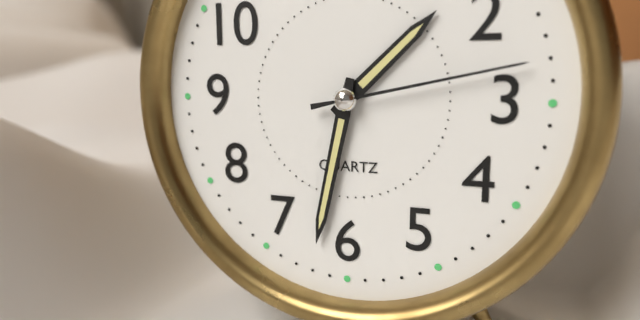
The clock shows **1:32:13**
